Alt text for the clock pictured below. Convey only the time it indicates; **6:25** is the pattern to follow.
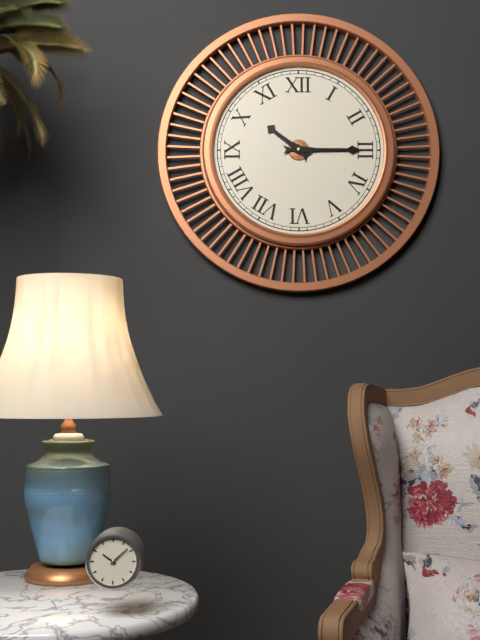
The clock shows **10:15**
